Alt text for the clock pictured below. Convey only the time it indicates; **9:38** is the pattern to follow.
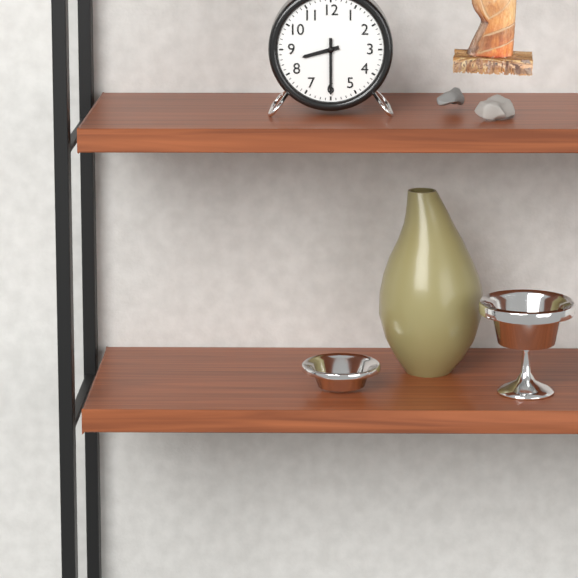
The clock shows **8:30**
